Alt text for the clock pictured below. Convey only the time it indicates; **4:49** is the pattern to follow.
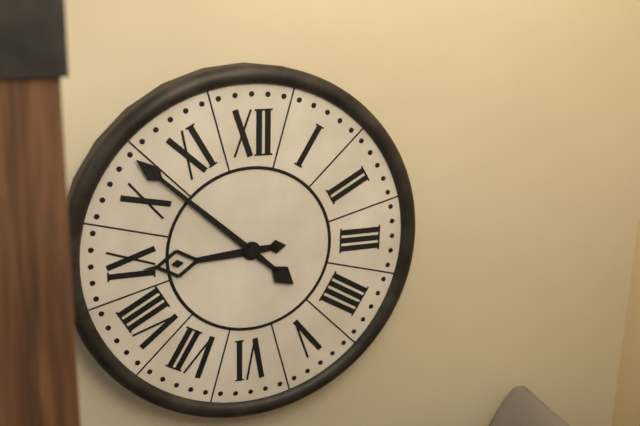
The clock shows **8:52**
